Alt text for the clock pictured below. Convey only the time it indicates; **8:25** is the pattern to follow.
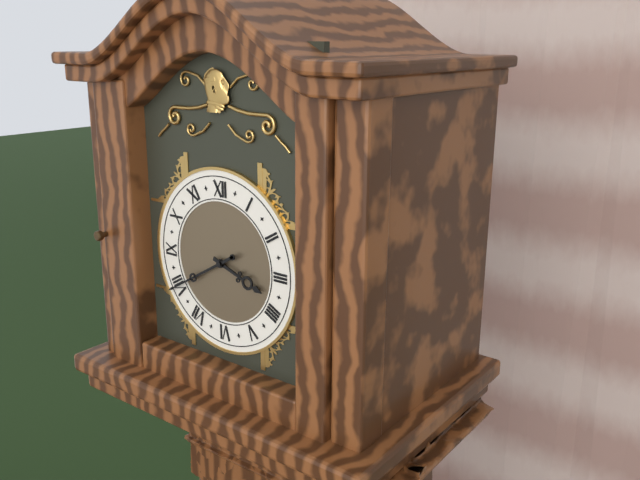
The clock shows **3:40**
